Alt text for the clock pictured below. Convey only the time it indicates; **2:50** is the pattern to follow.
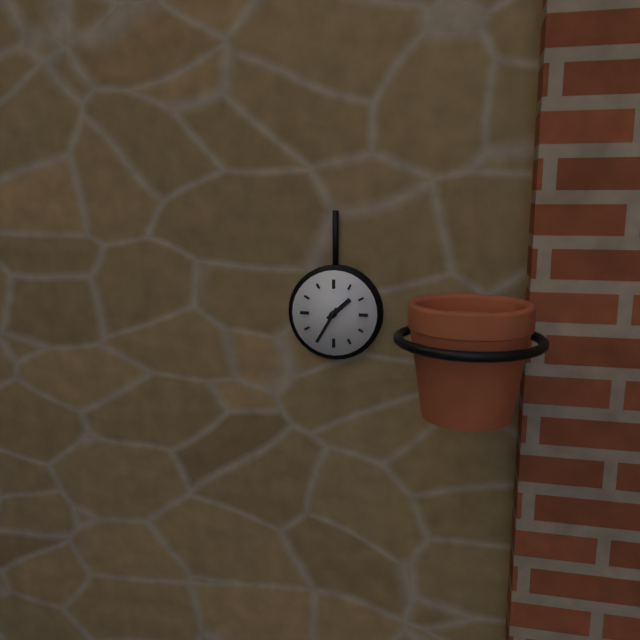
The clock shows **1:35**
